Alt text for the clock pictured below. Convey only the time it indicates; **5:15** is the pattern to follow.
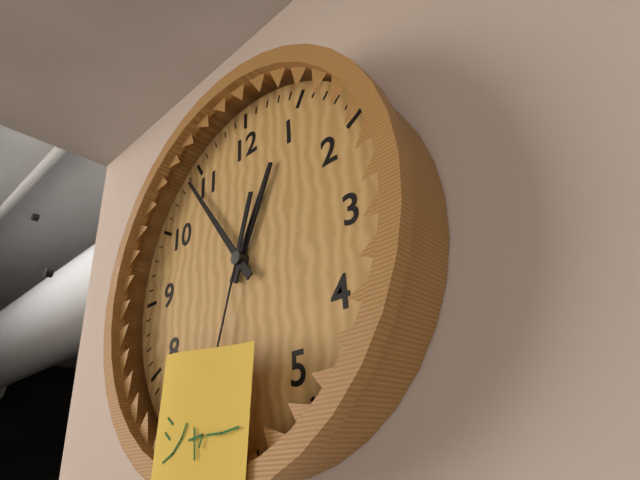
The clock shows **12:54**
